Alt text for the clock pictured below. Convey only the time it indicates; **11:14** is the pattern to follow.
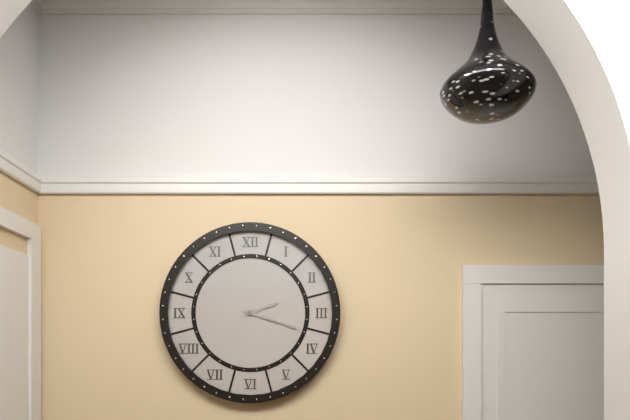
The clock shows **2:18**
